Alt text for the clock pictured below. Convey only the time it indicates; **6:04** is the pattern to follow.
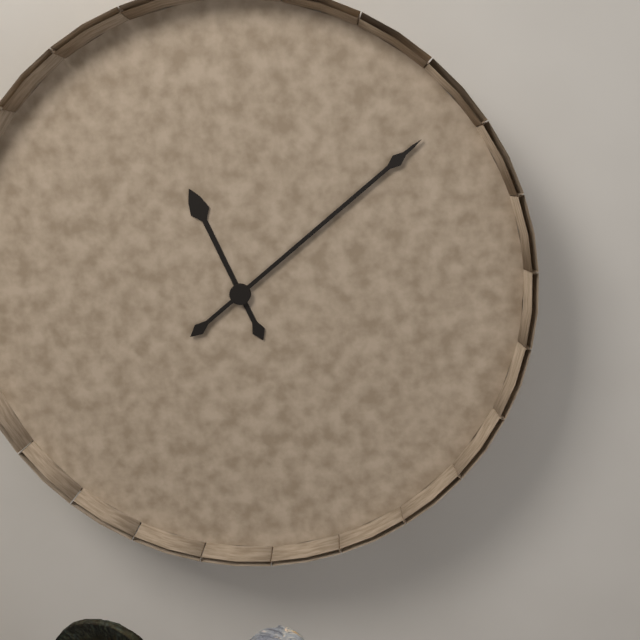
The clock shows **11:08**
